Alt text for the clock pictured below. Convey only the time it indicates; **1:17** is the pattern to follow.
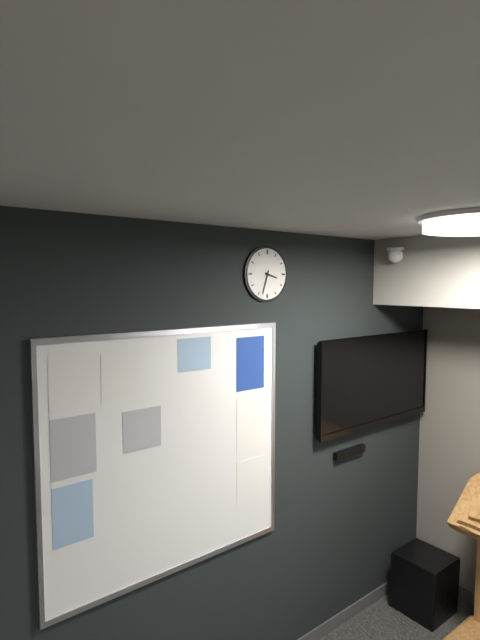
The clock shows **3:33**
